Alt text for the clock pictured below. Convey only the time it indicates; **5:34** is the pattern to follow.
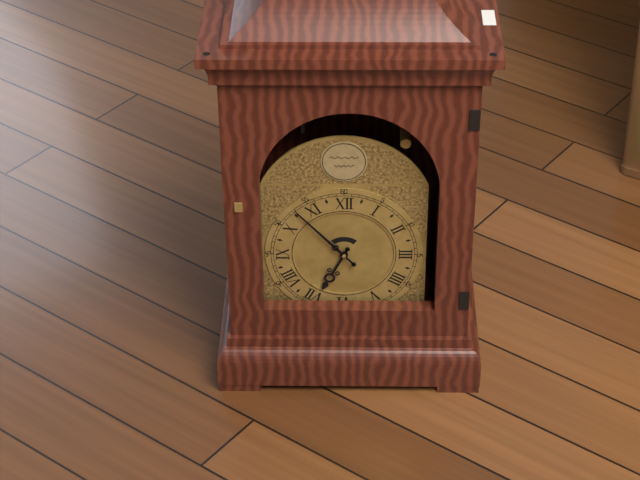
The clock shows **6:53**
